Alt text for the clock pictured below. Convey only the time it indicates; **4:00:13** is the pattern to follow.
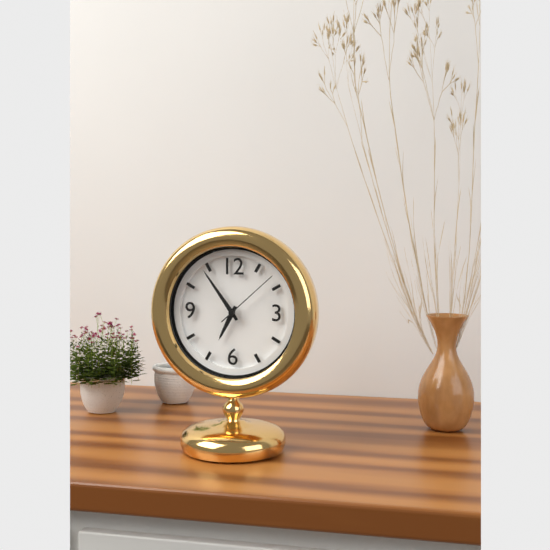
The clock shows **6:54:08**
